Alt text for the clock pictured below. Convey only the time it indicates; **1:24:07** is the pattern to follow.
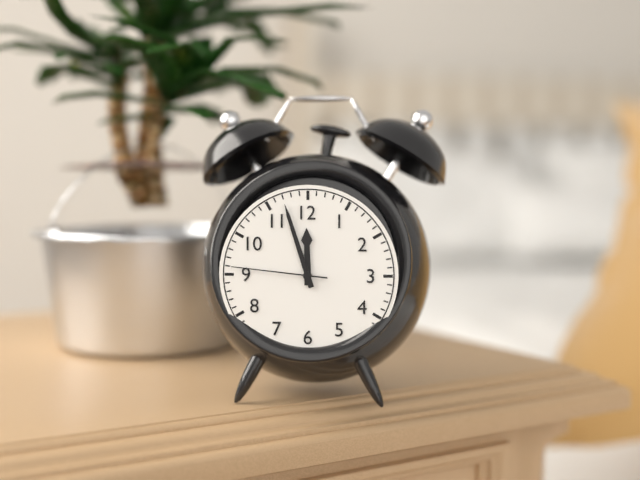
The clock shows **11:57:46**
